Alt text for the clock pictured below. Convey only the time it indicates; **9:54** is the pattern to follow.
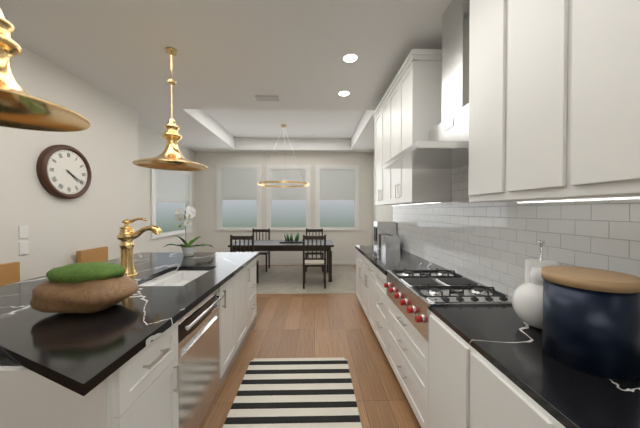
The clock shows **4:20**
